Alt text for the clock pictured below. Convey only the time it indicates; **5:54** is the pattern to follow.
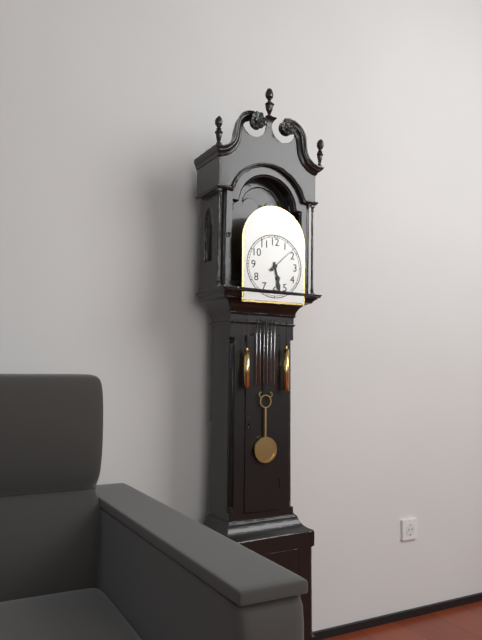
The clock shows **5:28**
